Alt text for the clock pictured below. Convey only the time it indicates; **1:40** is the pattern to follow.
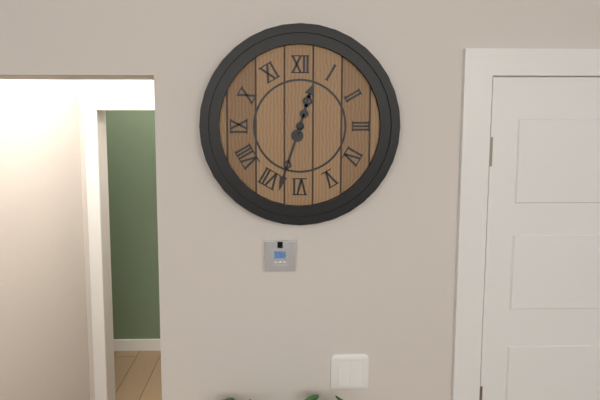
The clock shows **12:33**
